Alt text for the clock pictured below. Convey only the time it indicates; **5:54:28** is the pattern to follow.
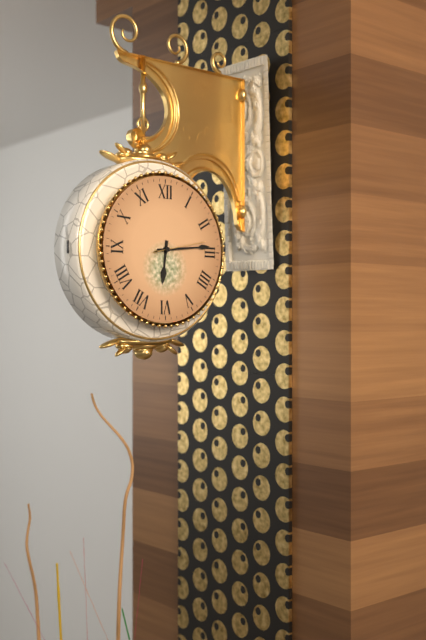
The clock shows **6:14:13**
